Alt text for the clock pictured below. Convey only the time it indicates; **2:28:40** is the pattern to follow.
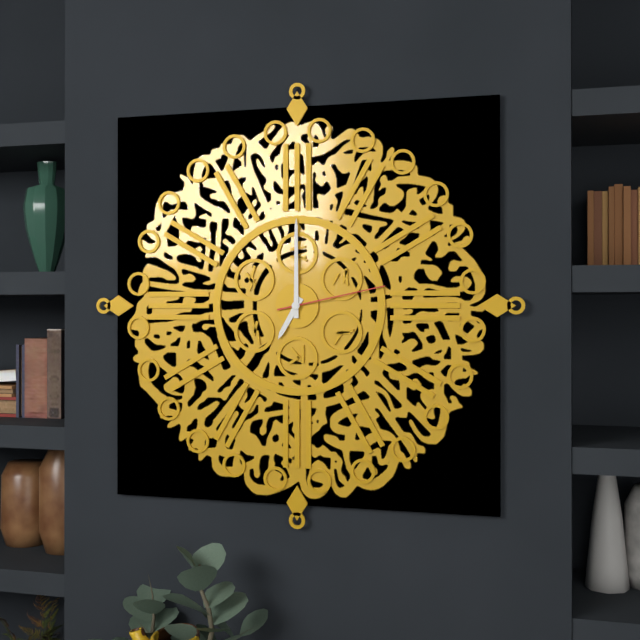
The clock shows **7:00:13**
